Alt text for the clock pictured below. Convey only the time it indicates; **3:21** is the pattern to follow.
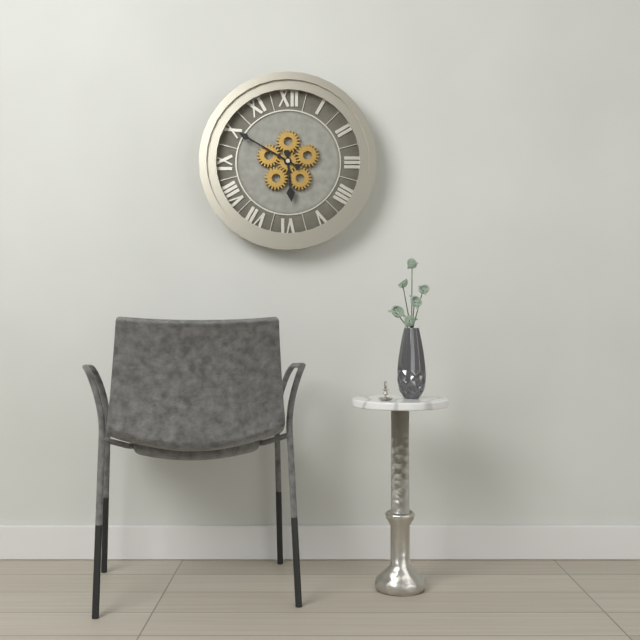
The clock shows **5:50**
